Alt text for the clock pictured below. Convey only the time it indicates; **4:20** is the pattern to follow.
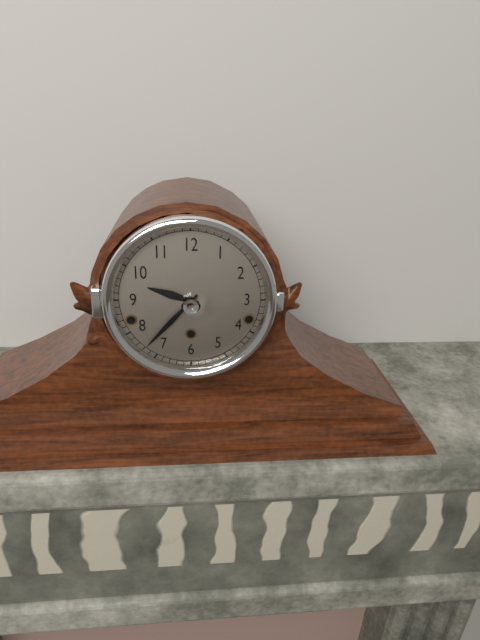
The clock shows **9:37**
